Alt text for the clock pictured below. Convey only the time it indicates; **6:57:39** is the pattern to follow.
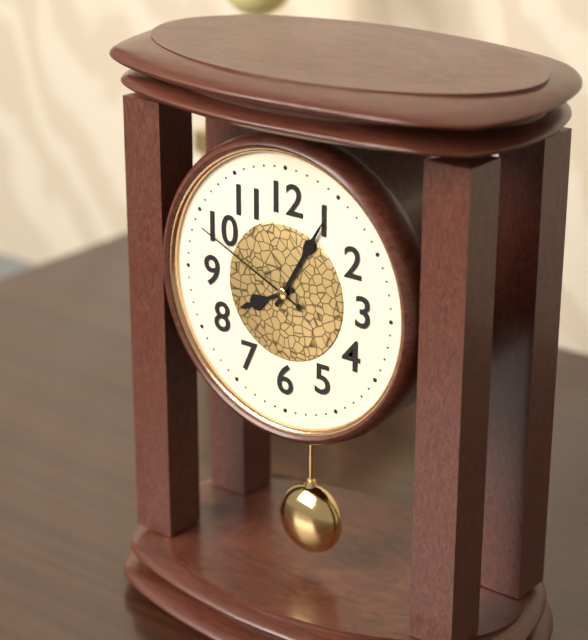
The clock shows **8:05:49**
